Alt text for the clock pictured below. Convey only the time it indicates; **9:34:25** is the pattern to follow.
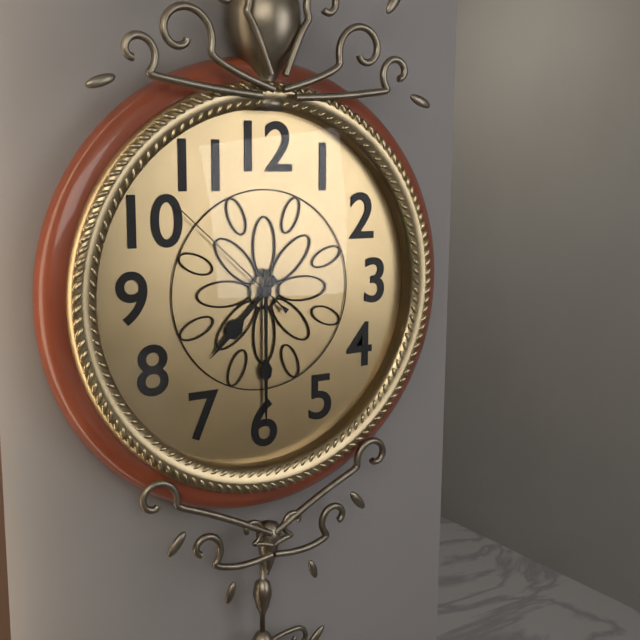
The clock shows **7:30:52**
